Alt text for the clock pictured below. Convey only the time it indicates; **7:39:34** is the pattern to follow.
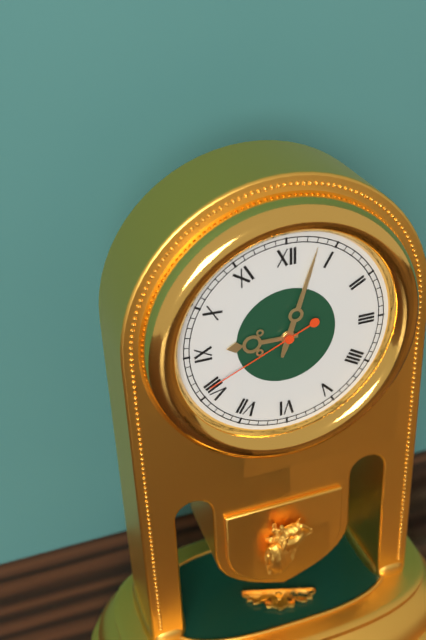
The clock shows **9:03:41**
